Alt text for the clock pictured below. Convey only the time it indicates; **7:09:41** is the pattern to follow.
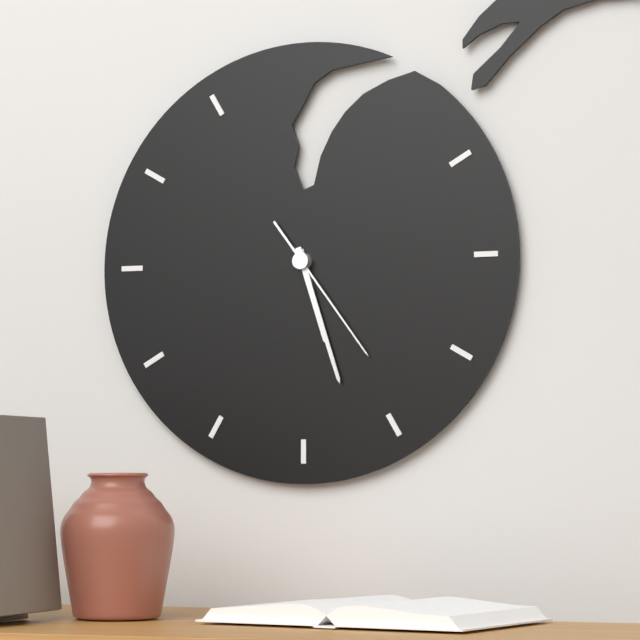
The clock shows **5:27:24**
